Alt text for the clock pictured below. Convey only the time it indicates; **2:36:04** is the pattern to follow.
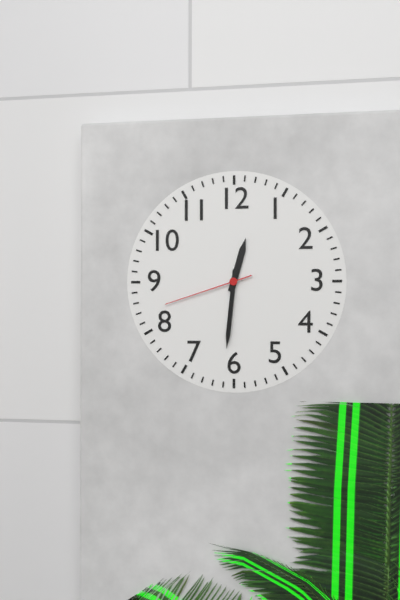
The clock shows **12:31:42**
